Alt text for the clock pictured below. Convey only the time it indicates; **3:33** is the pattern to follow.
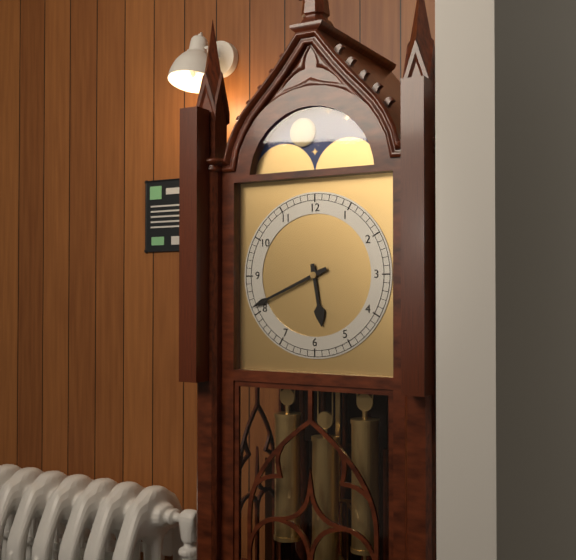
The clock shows **5:41**
